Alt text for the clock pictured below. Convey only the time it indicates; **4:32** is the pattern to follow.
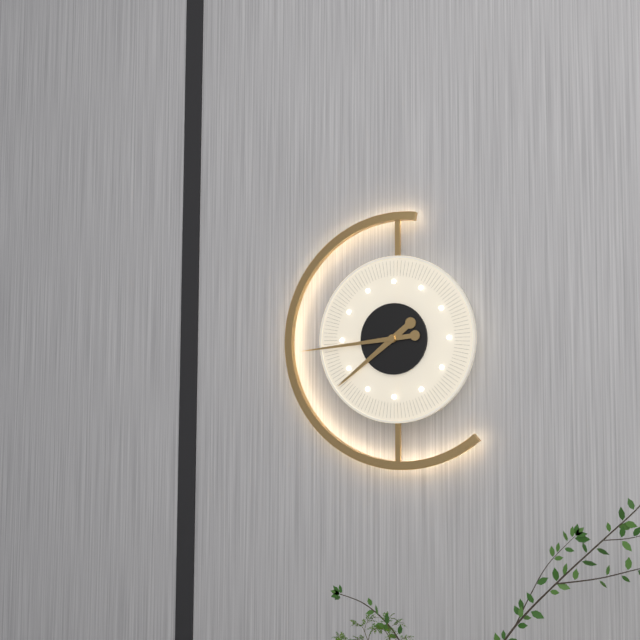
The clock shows **7:44**
